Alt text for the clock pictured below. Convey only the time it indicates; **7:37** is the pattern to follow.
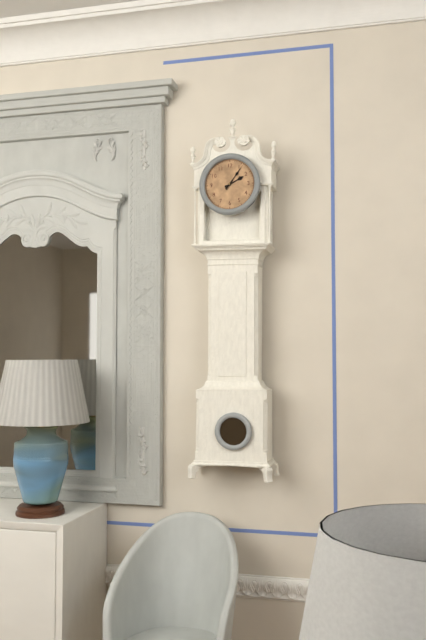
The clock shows **2:06**
